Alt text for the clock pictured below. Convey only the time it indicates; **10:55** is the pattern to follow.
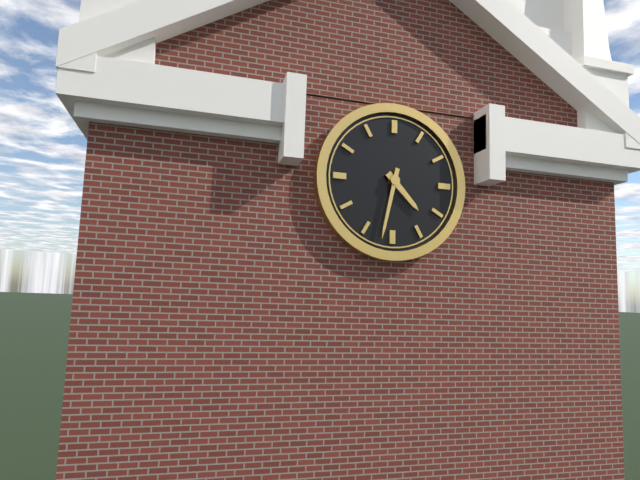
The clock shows **4:32**
